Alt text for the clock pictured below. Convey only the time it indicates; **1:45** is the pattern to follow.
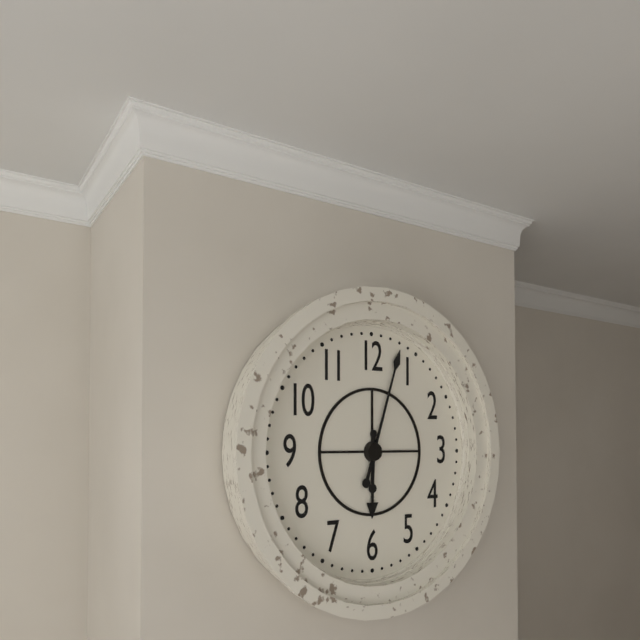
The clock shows **6:03**
